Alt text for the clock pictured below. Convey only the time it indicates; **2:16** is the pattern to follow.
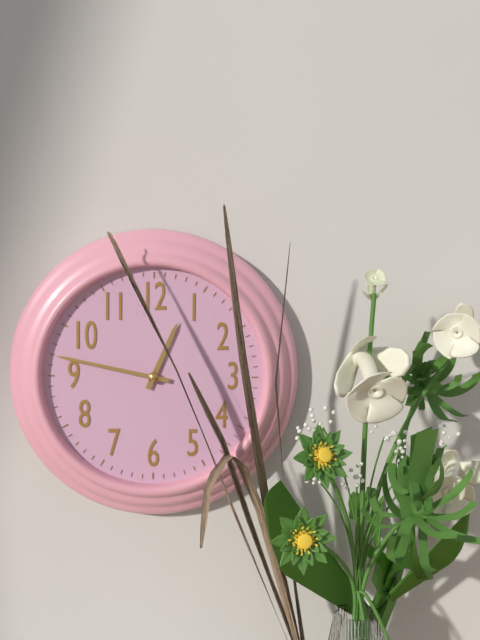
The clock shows **12:47**
